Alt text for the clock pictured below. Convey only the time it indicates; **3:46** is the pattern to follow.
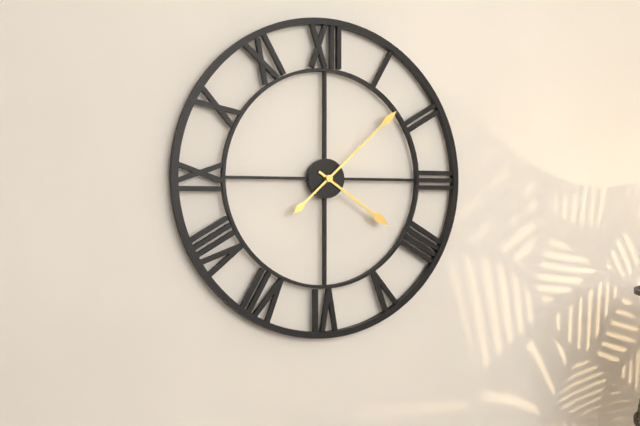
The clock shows **4:08**
